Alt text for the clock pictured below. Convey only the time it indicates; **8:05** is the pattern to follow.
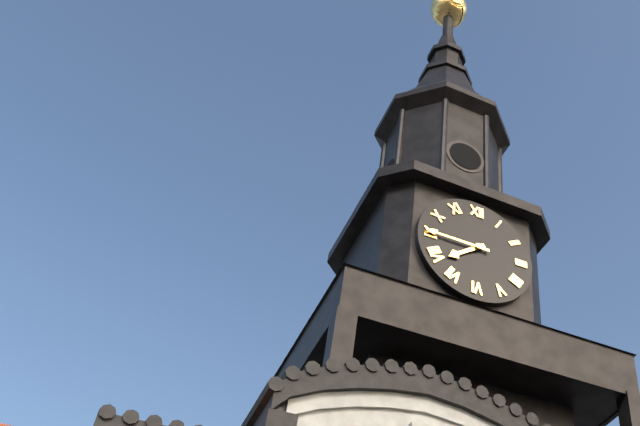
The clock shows **7:45**
